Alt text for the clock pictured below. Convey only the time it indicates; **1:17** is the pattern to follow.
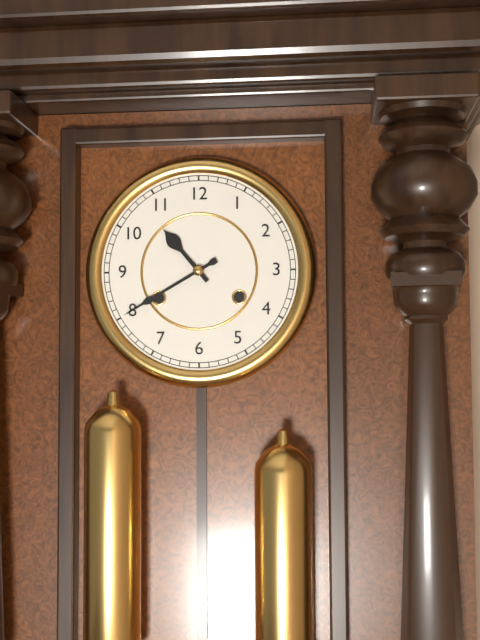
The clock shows **10:40**
